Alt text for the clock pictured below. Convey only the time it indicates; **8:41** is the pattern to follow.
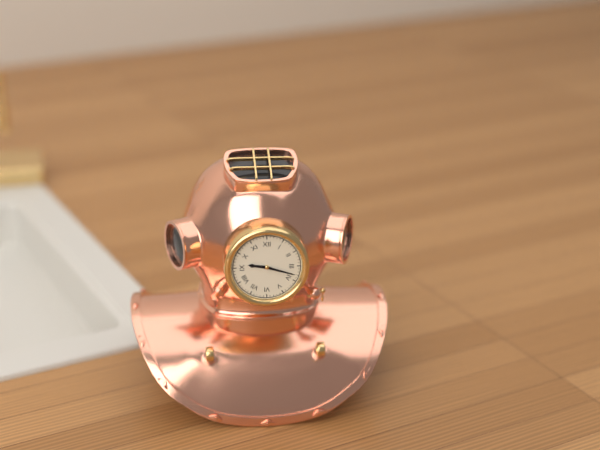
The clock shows **9:18**
